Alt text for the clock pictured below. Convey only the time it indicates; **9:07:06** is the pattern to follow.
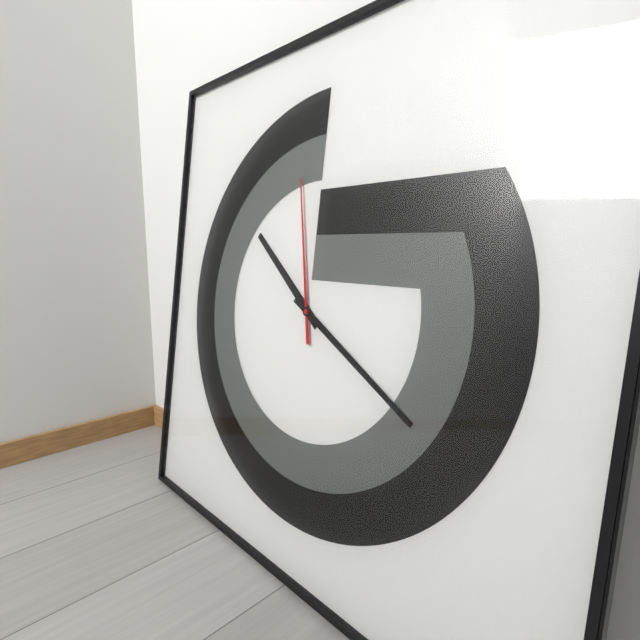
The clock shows **10:20:58**
